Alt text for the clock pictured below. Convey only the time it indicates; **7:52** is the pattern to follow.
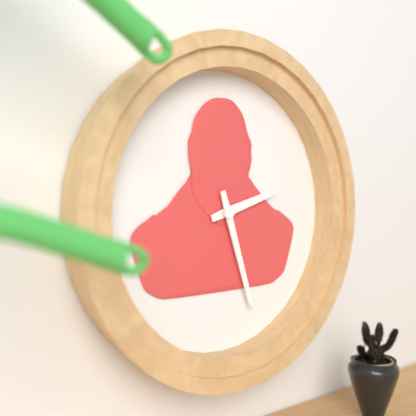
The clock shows **2:27**
